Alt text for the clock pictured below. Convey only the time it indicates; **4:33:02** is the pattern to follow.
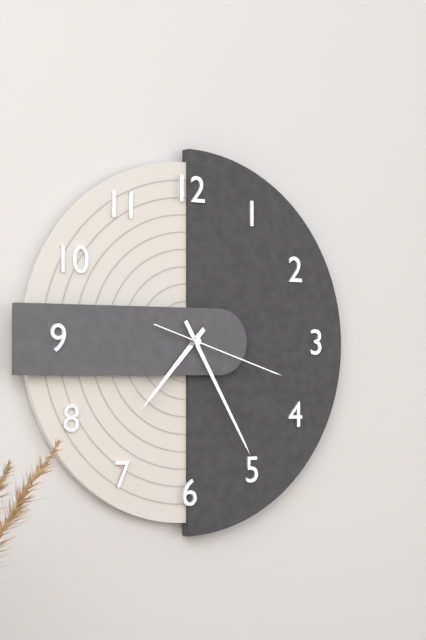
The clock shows **7:25:18**
